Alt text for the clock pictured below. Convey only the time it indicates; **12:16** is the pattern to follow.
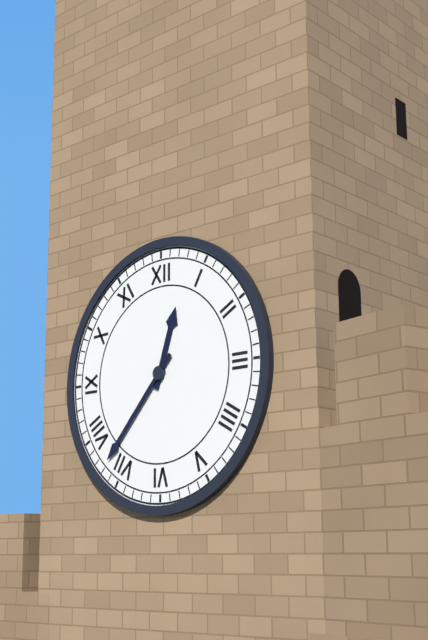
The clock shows **12:37**
